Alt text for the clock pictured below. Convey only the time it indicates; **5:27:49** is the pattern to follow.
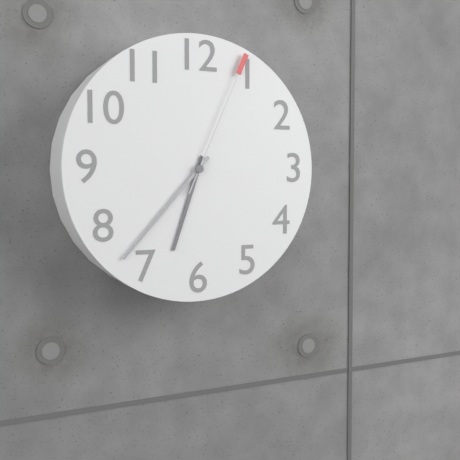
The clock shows **6:37:04**
